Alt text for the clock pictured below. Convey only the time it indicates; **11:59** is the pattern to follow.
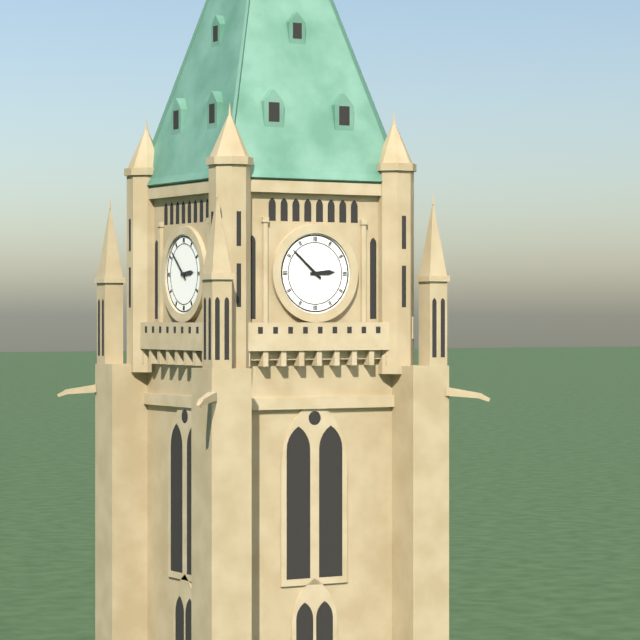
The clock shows **2:52**
